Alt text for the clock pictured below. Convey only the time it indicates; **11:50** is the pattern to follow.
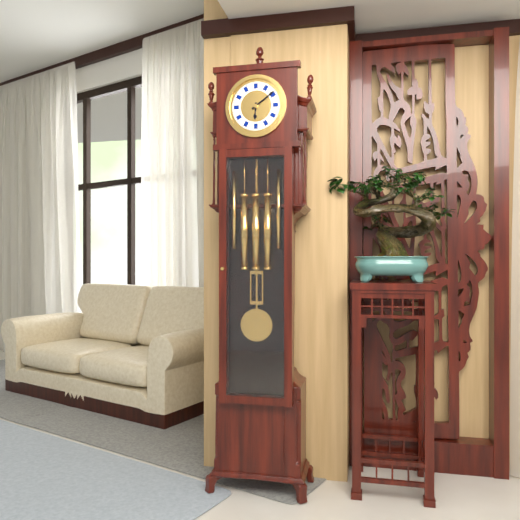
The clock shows **6:09**
